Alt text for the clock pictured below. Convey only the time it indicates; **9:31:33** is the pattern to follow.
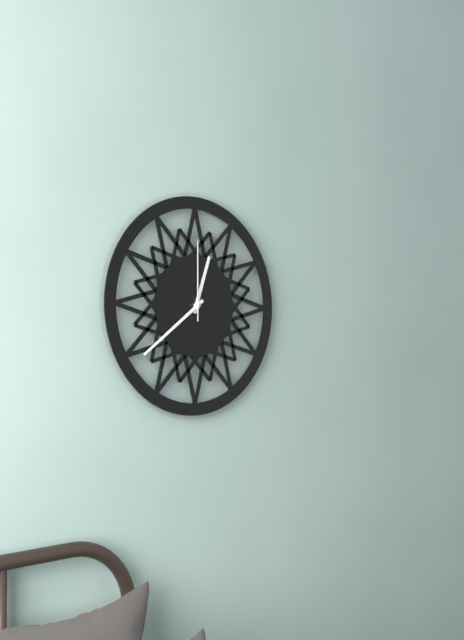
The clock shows **12:39:00**
